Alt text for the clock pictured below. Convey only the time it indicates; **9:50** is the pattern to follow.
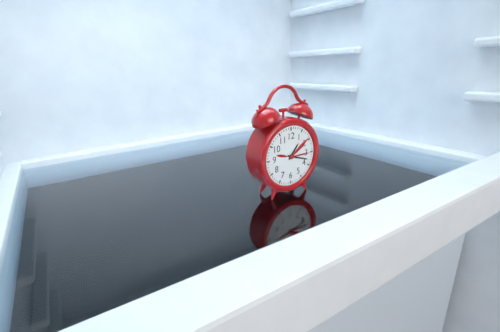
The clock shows **1:18**
